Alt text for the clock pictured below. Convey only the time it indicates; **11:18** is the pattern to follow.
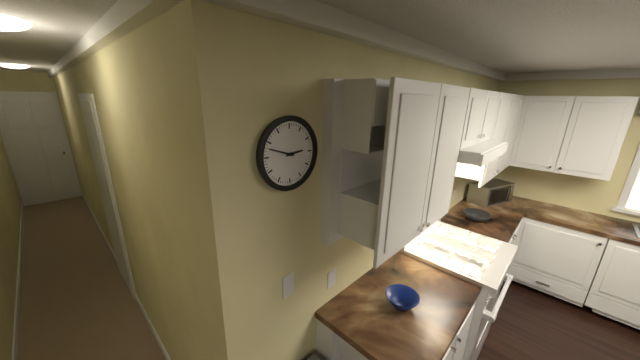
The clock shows **2:48**
